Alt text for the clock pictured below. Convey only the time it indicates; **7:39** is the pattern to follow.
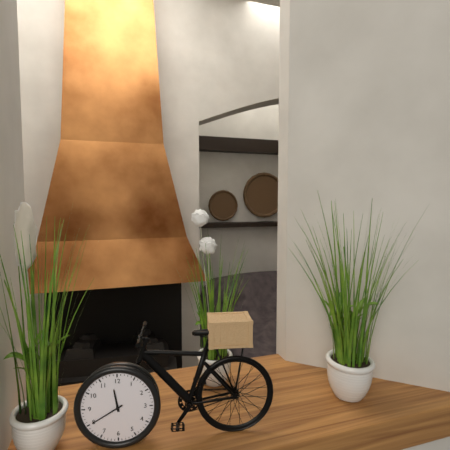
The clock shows **11:40**
